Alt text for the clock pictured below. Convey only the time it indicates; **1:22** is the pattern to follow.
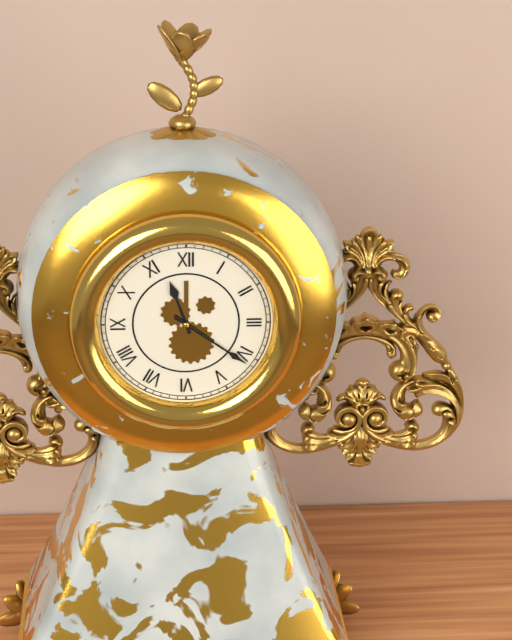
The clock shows **11:21**
